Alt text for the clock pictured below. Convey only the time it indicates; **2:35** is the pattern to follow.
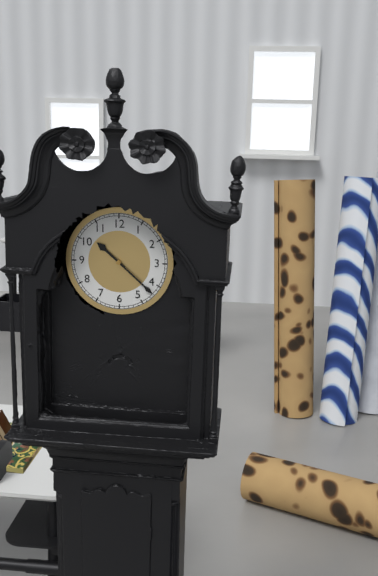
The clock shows **10:22**
